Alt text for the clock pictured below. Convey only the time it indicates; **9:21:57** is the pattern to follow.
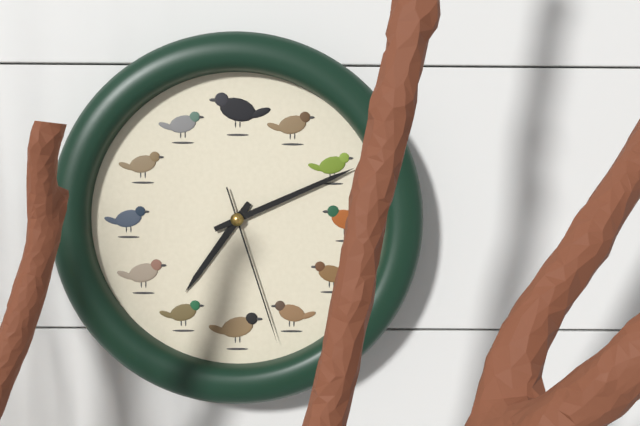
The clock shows **7:11:27**
